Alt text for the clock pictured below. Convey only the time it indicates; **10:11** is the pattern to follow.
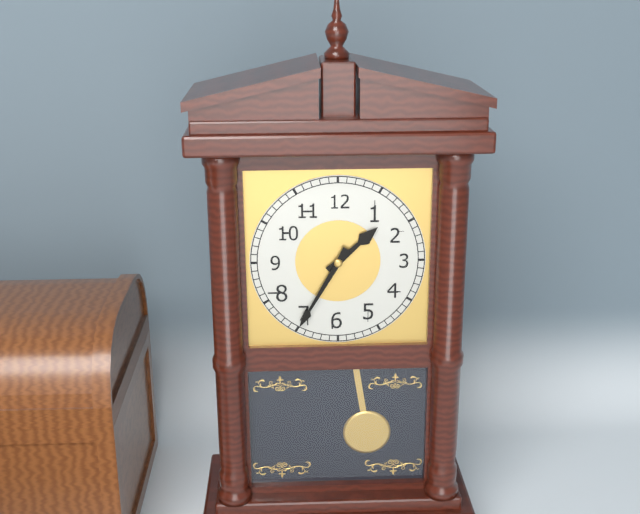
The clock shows **1:35**
